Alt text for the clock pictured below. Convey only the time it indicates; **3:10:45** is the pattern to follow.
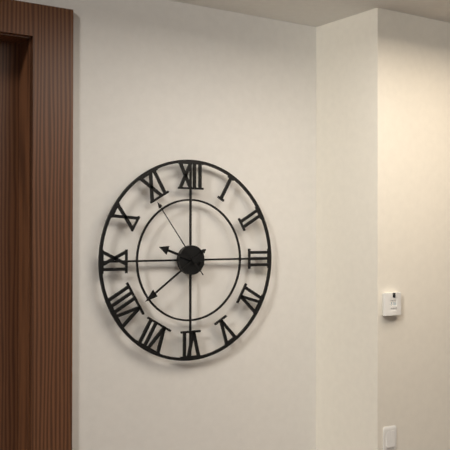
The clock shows **9:39:54**
